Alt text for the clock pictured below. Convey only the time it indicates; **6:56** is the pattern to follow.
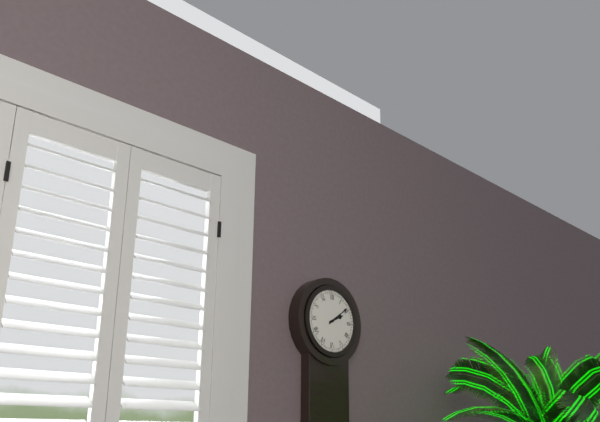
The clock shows **2:09**
